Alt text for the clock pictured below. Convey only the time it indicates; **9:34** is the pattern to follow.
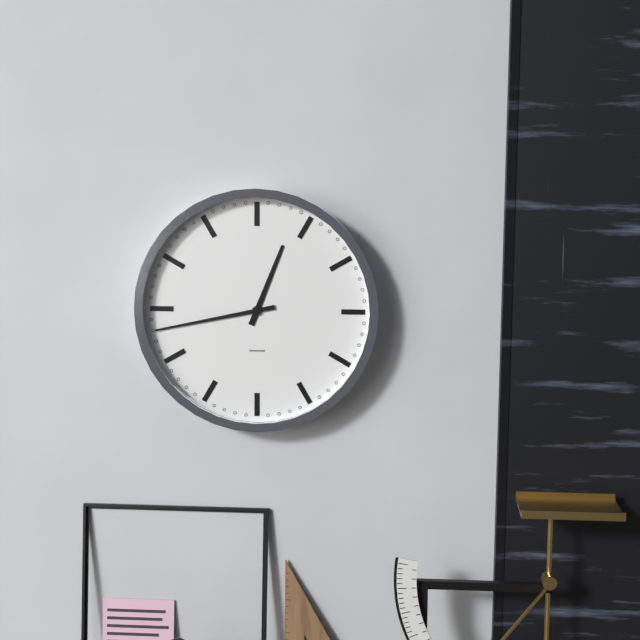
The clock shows **12:43**
